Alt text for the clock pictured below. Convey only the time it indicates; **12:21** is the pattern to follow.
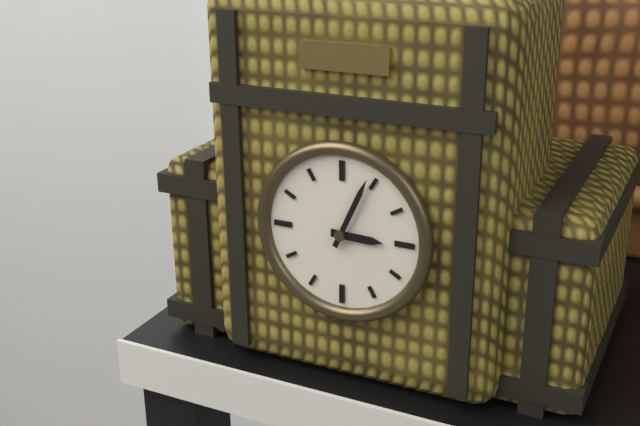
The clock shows **3:04**
